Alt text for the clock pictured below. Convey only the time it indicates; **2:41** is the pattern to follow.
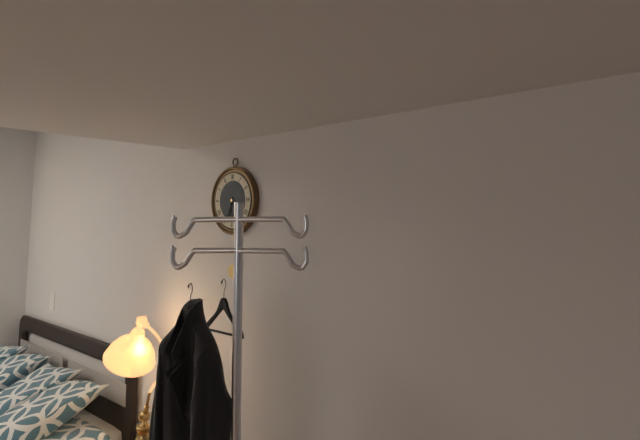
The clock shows **6:33**
